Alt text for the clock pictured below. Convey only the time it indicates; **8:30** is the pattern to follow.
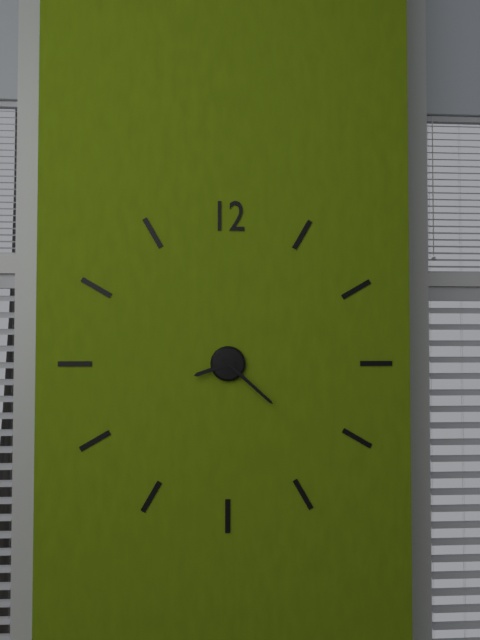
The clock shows **8:22**
